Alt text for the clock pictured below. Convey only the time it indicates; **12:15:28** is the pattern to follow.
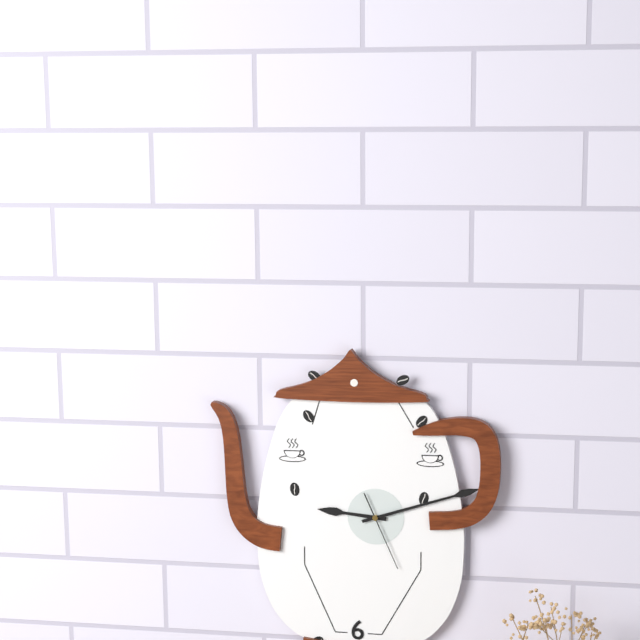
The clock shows **9:12:26**
